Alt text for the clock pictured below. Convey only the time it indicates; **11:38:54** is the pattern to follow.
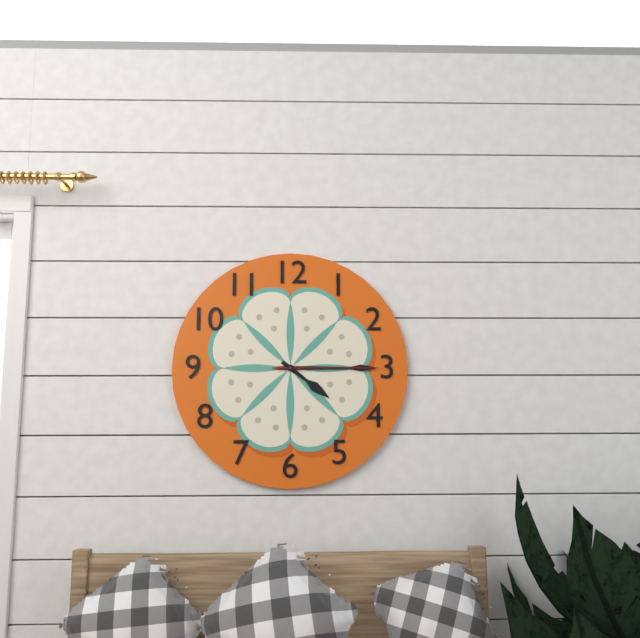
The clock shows **4:15:15**
